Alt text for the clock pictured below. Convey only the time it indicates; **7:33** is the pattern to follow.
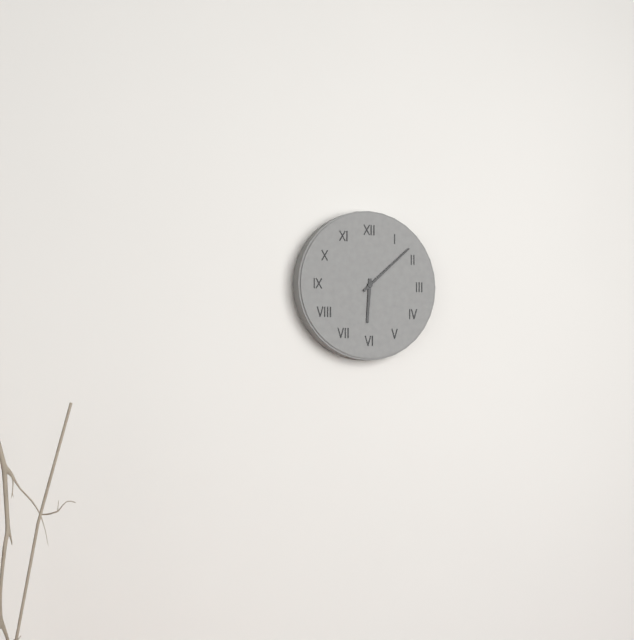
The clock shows **6:08**
